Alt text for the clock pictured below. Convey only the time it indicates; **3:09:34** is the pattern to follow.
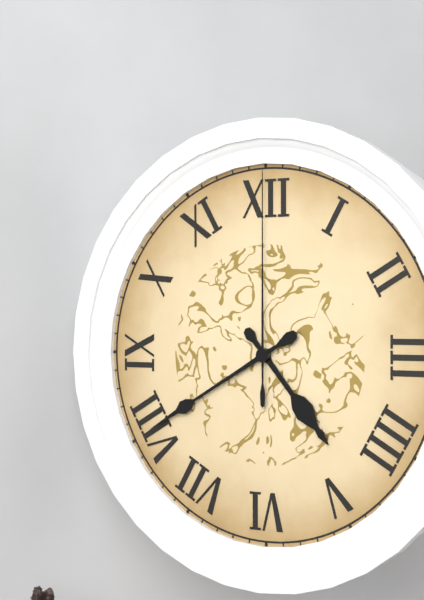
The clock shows **4:40:00**
